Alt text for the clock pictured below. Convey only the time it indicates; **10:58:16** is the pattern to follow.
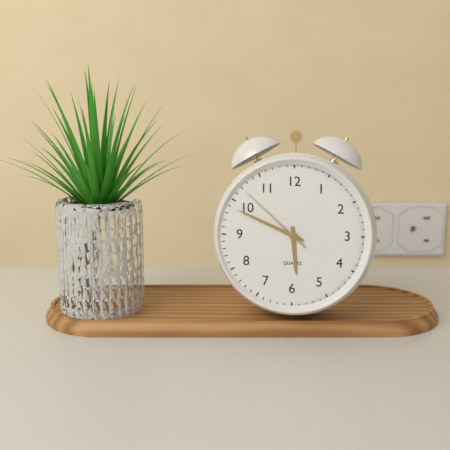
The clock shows **5:49:52**
